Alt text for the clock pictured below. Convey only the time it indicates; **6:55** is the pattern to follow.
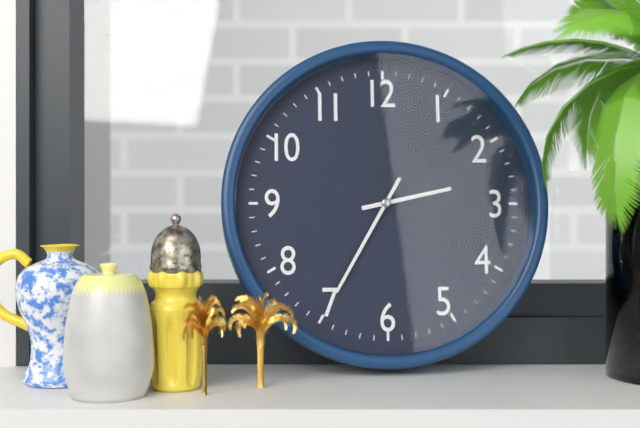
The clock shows **2:35**
